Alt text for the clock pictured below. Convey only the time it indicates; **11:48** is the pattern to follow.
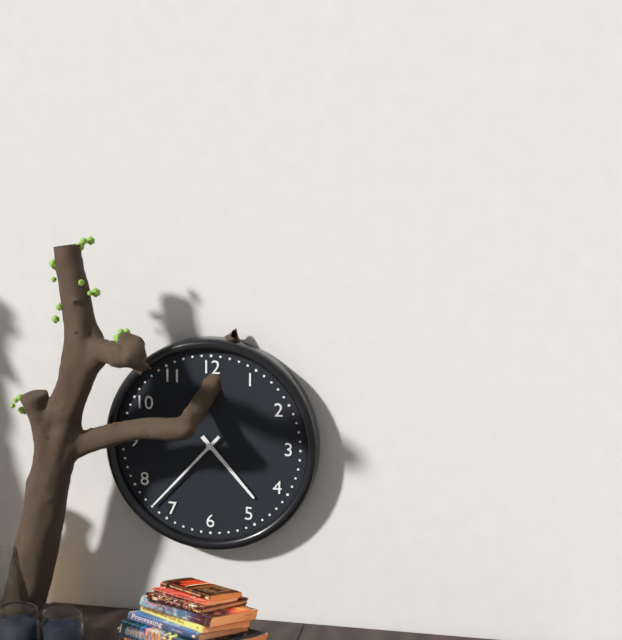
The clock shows **4:37**
